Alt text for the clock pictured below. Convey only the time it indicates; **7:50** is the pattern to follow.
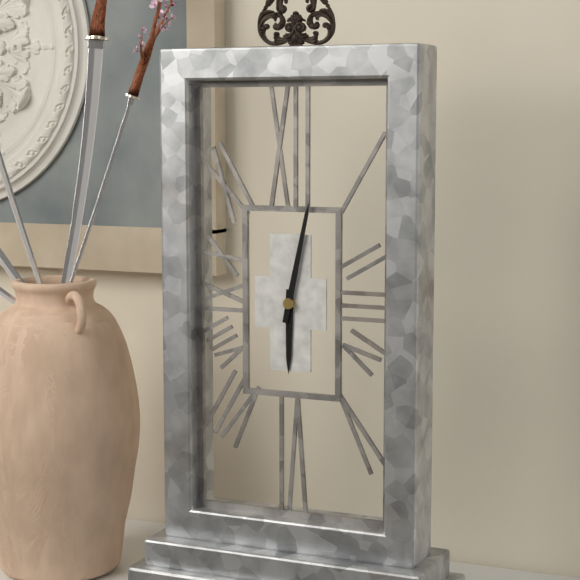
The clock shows **6:02**
